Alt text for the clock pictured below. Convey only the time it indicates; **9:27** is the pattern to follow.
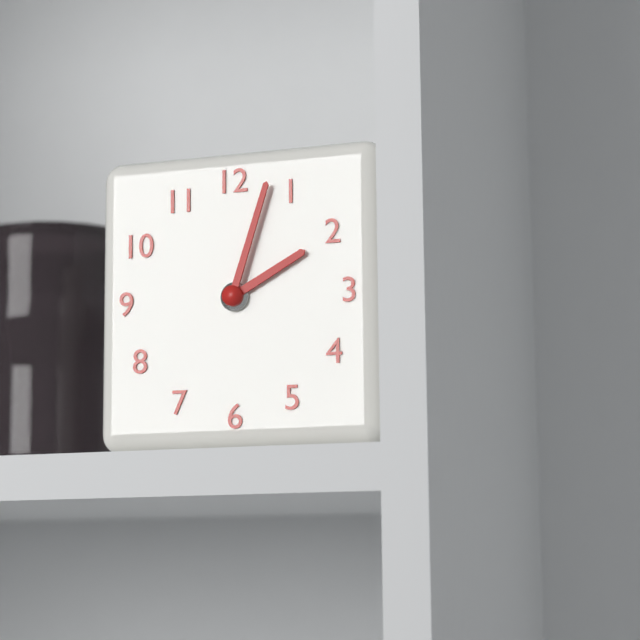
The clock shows **2:03**
